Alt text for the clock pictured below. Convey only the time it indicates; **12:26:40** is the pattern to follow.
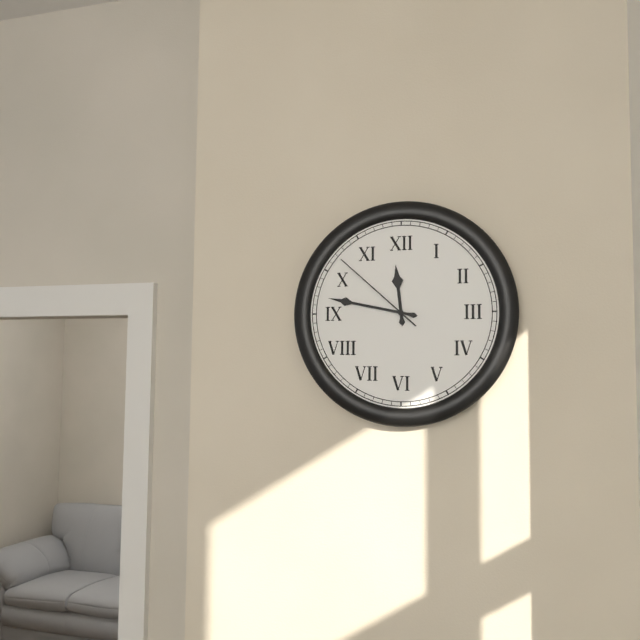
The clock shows **11:47:52**
